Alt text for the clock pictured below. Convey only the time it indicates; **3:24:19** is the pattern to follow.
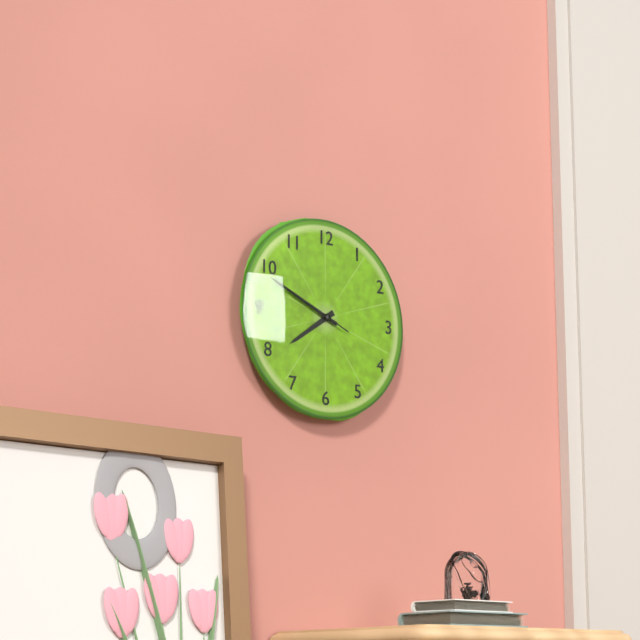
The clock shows **7:49:49**
